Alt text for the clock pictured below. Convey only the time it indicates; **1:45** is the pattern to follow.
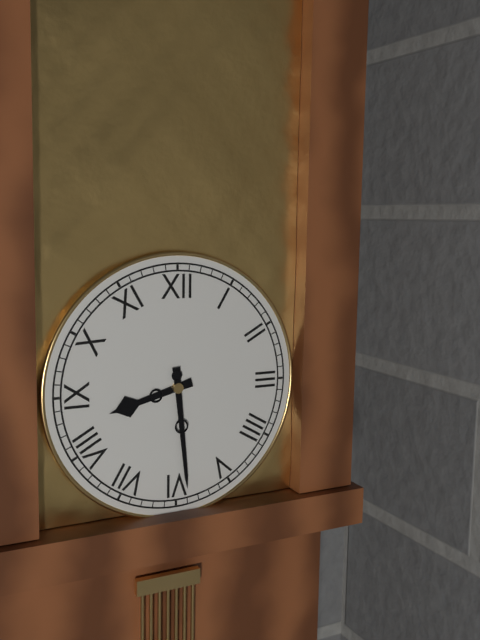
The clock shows **8:29**
